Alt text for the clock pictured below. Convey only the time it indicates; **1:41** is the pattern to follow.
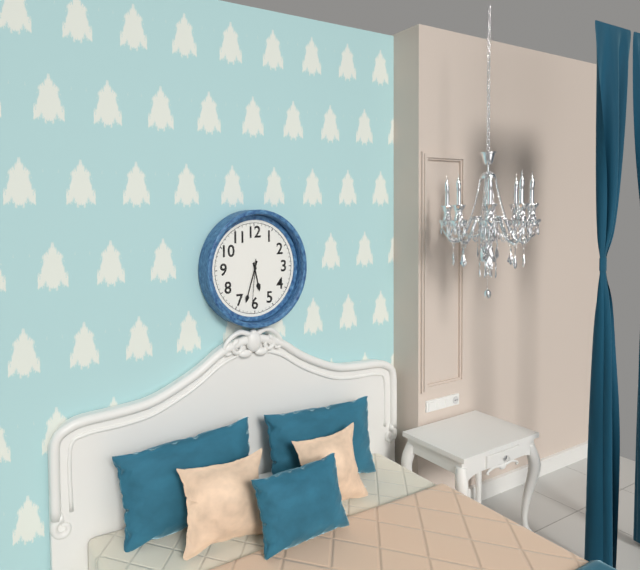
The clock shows **5:33**
